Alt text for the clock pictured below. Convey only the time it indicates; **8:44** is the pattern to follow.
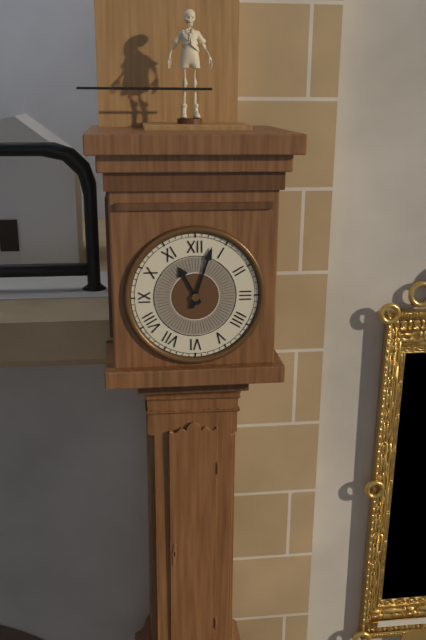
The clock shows **11:03**
